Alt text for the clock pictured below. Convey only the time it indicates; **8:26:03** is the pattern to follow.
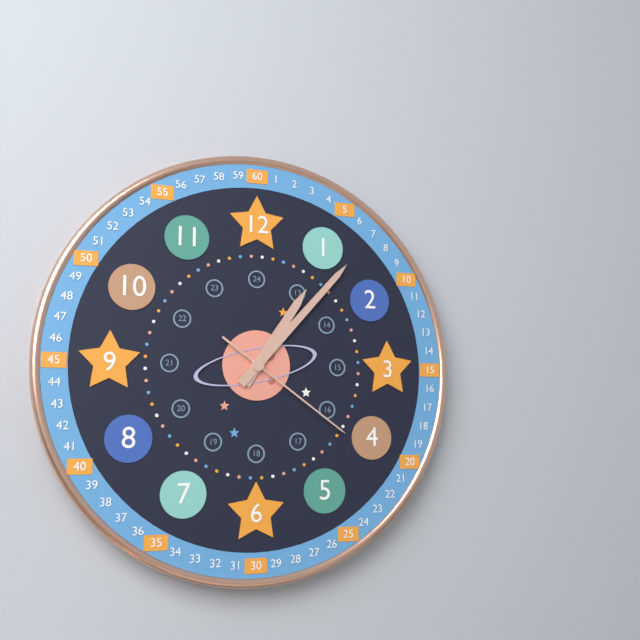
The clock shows **1:07:21**
